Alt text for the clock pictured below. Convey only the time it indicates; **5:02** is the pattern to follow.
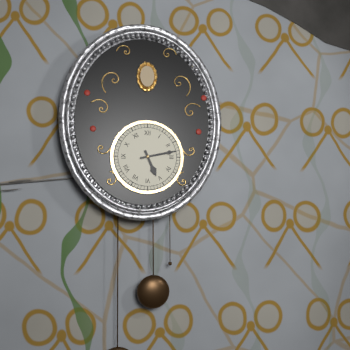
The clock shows **5:13**
